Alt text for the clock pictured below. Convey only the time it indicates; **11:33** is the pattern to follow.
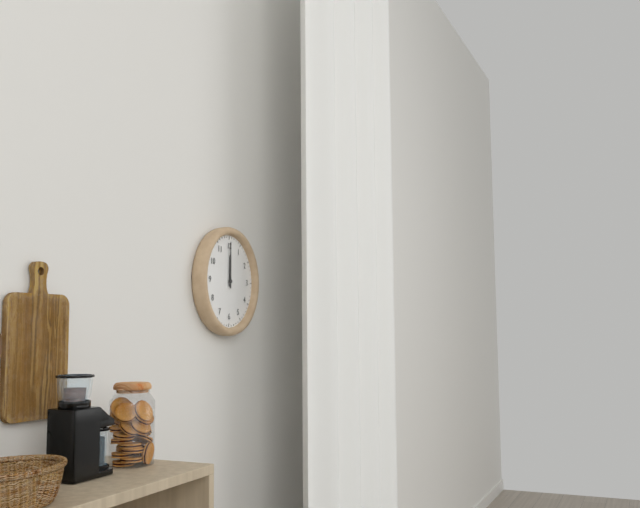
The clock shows **12:00**
